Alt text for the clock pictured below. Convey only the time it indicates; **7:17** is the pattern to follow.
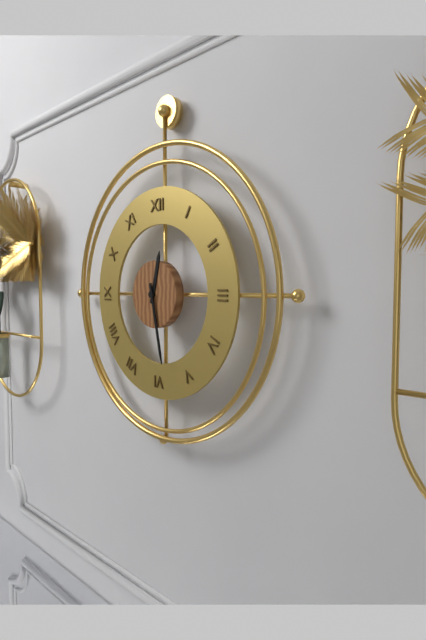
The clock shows **12:28**
